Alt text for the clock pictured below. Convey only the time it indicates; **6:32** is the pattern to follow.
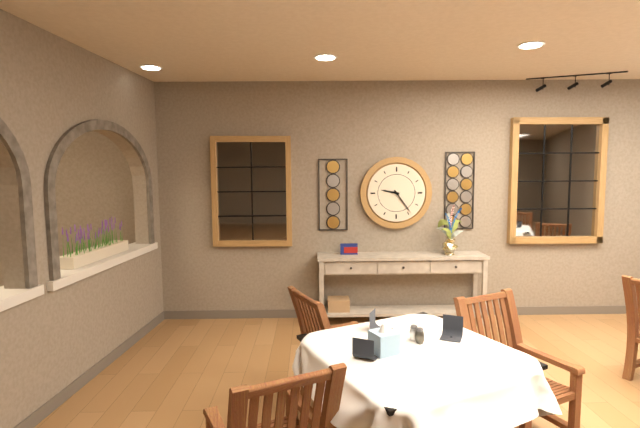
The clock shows **9:24**
